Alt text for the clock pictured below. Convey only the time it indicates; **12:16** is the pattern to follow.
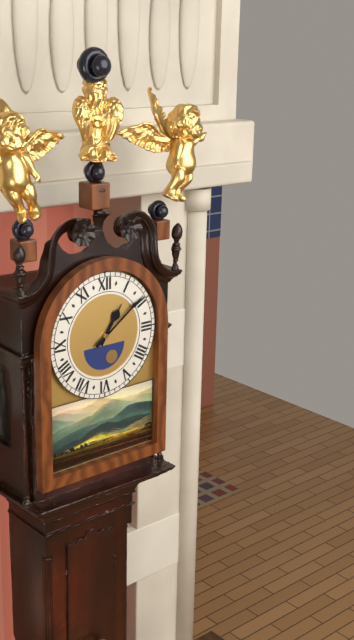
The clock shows **1:09**
